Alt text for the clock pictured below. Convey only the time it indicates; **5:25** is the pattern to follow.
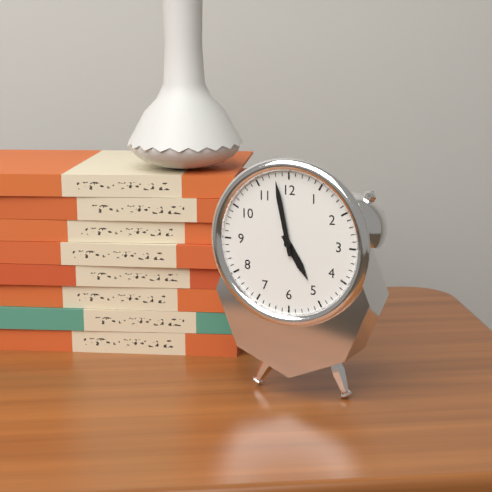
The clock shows **4:58**
